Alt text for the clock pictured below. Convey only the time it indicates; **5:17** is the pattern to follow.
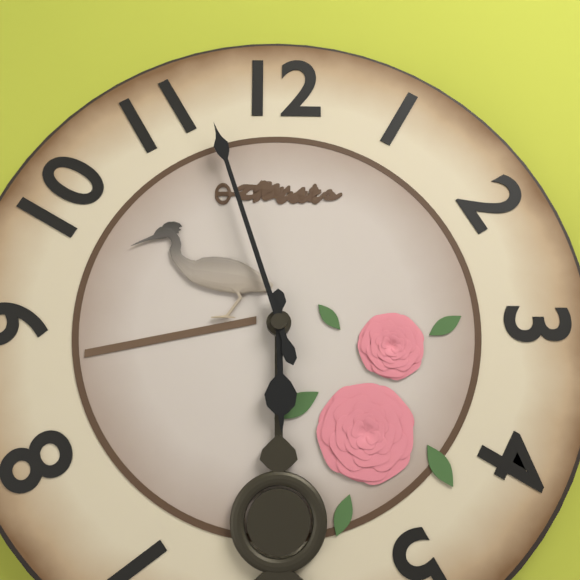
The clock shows **5:57**
